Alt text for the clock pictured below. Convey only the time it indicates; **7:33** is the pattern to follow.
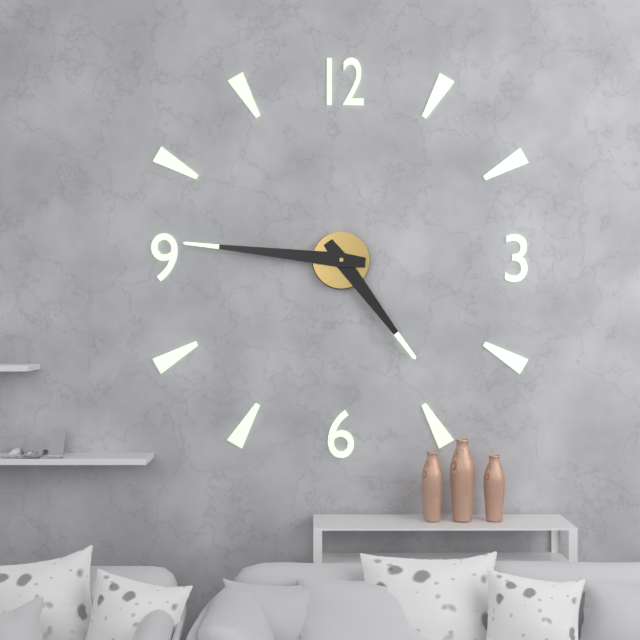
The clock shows **4:46**
